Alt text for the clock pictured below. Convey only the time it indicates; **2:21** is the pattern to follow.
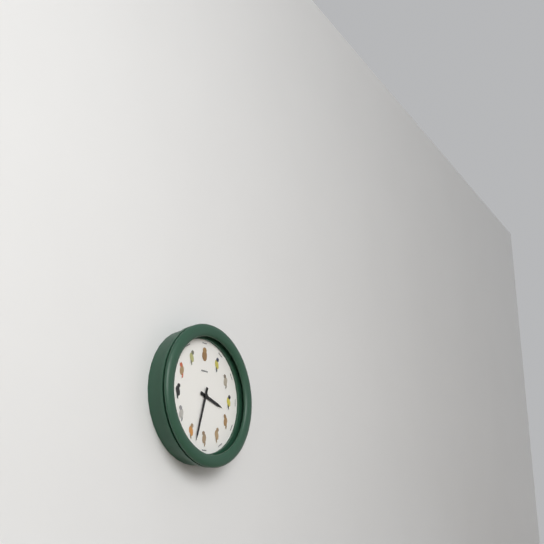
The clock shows **3:33**
